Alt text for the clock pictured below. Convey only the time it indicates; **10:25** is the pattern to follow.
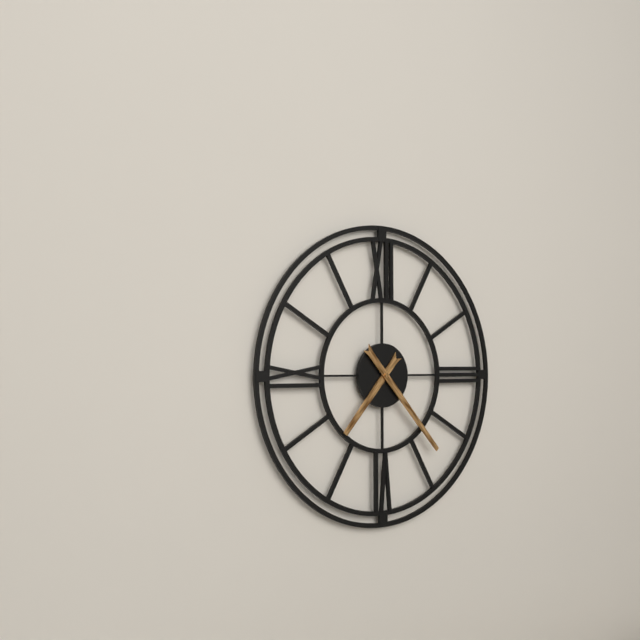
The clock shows **7:23**
